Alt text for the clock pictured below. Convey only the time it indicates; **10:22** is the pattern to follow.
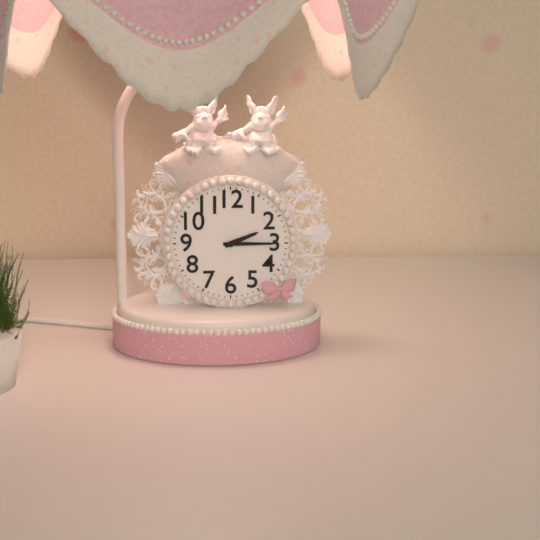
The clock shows **2:15**
